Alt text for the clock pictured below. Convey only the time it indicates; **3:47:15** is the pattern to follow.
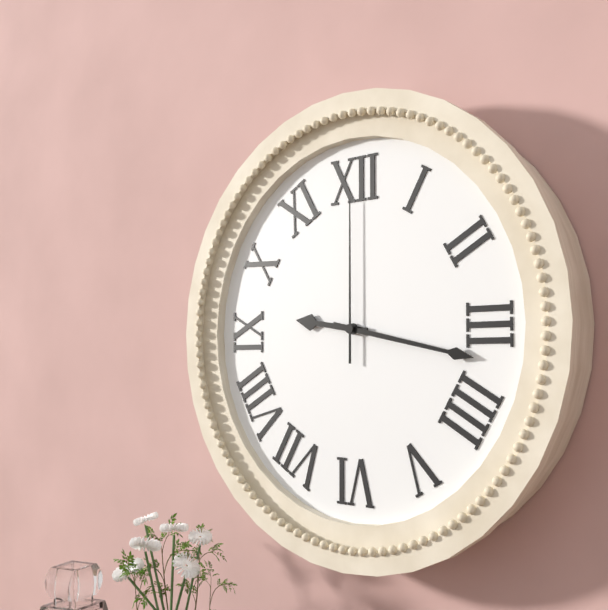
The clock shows **9:17:00**
